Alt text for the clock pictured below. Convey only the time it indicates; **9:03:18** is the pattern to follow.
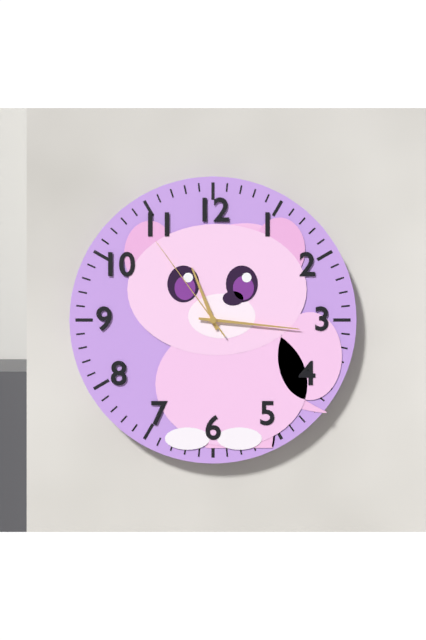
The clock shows **11:16:54**
